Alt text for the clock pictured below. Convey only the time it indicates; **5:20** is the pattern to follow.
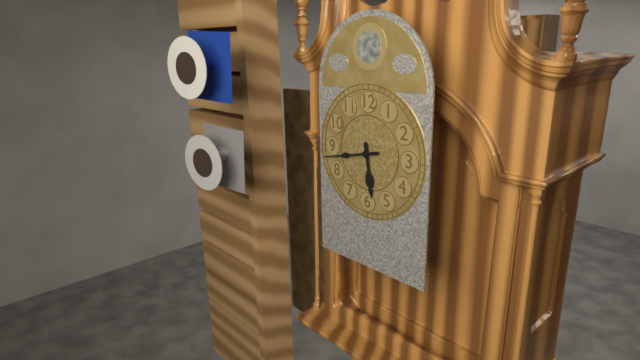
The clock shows **5:43**
